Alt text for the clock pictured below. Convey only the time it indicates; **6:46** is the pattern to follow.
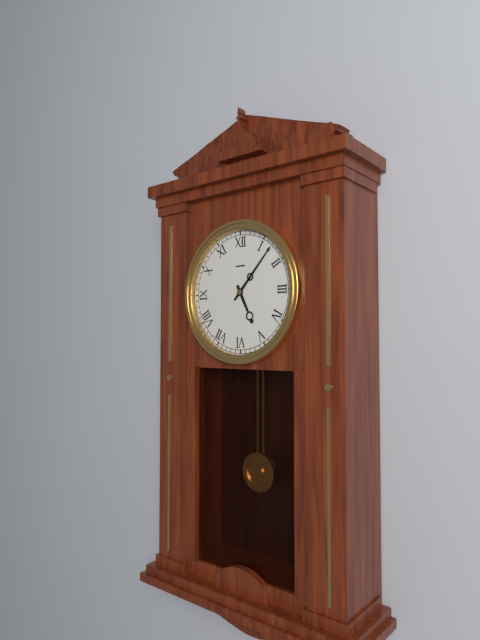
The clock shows **5:07**
